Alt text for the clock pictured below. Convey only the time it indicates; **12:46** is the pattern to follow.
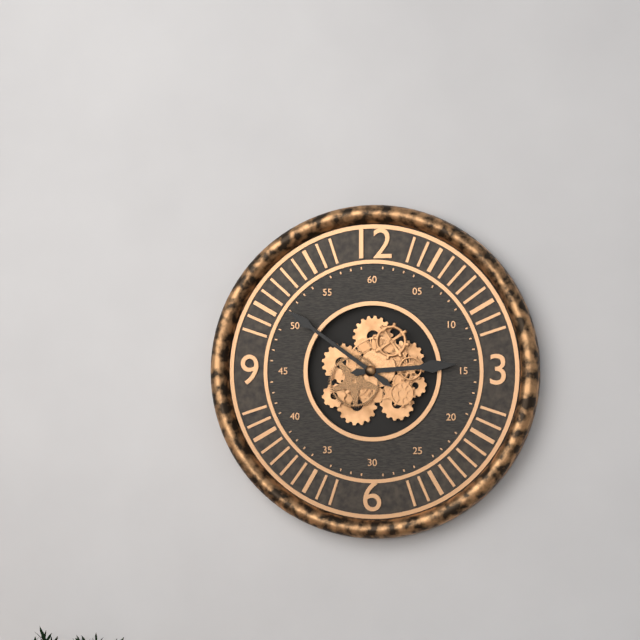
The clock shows **2:51**
